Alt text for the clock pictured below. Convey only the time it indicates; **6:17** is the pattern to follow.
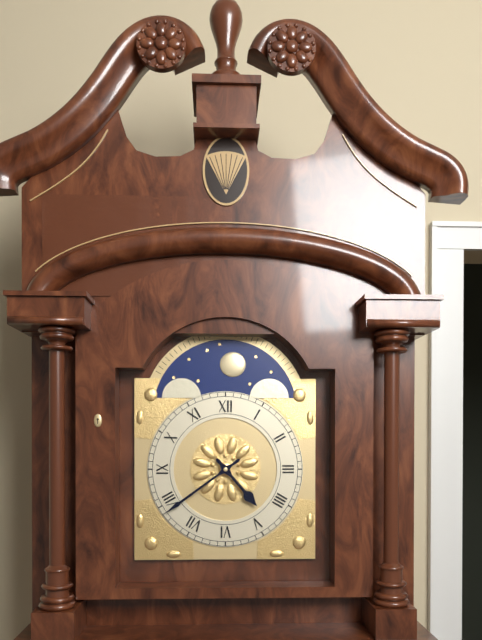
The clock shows **4:39**
